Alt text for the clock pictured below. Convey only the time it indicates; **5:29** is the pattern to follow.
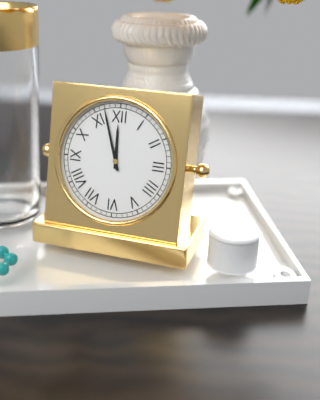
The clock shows **11:57**
